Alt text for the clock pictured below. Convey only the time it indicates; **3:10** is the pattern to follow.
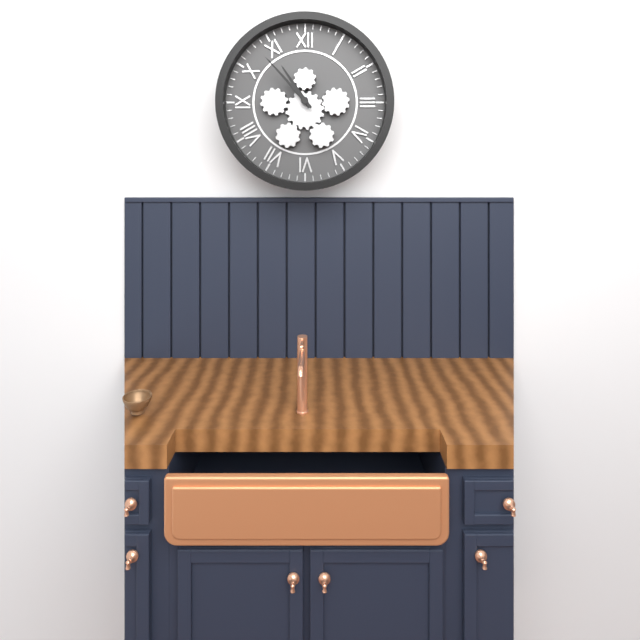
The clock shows **10:53**
